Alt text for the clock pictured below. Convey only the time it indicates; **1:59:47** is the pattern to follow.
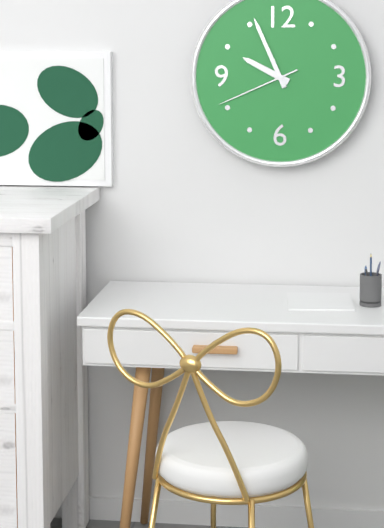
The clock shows **9:56:41**
